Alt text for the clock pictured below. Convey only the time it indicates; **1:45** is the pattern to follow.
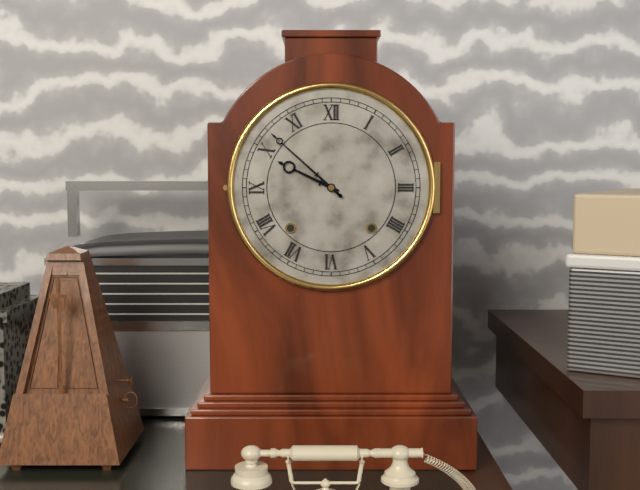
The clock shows **9:52**
